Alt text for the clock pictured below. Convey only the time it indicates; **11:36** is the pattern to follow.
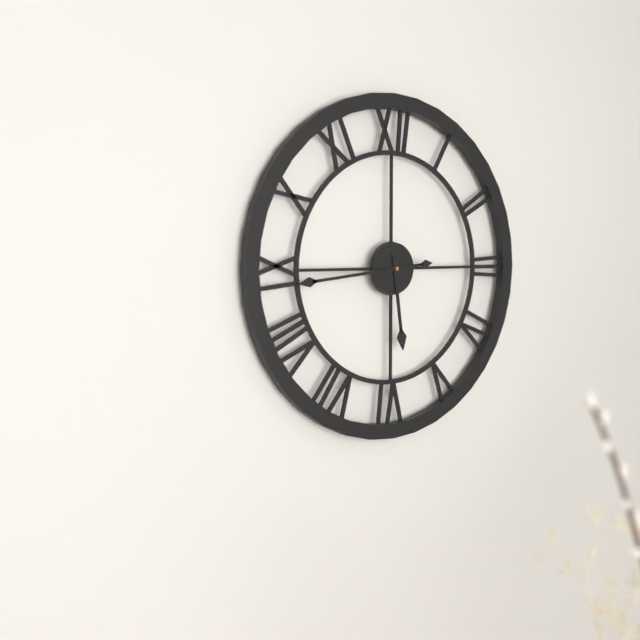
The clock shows **5:44**
